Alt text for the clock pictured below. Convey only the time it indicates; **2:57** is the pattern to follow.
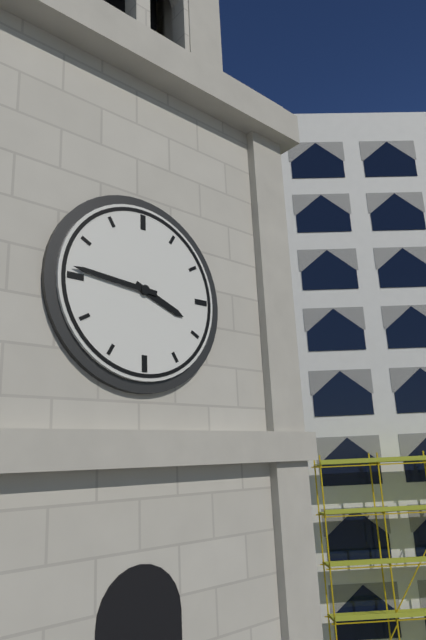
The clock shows **3:46**
